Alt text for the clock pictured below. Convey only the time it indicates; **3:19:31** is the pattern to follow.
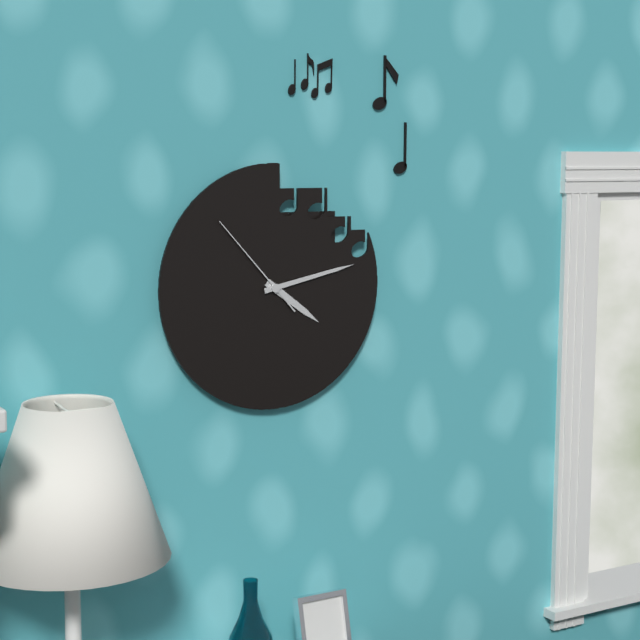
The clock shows **4:13:53**
